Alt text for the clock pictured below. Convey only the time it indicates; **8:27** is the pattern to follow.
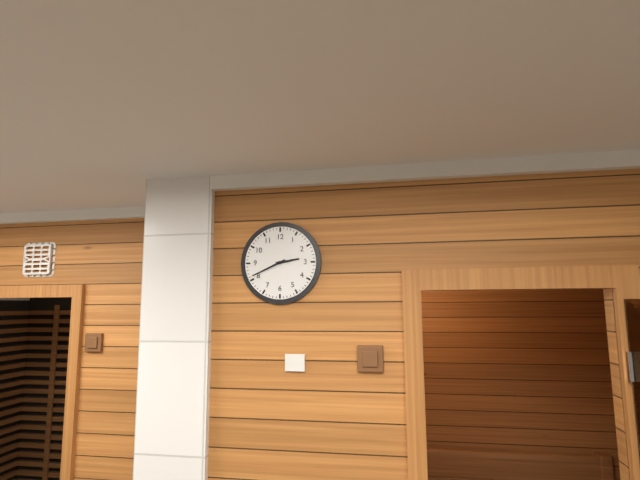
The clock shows **2:41**
